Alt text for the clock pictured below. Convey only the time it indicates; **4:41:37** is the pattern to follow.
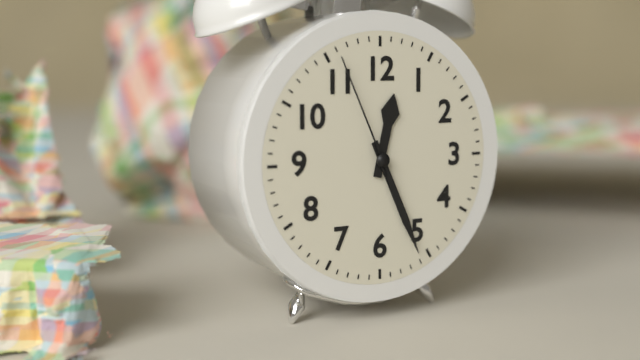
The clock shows **12:26:56**
